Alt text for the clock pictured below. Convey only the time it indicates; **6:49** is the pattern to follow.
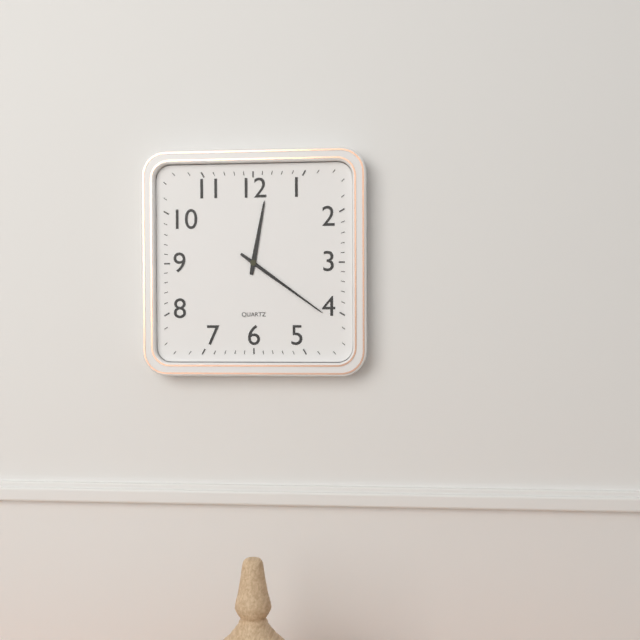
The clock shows **12:21**
